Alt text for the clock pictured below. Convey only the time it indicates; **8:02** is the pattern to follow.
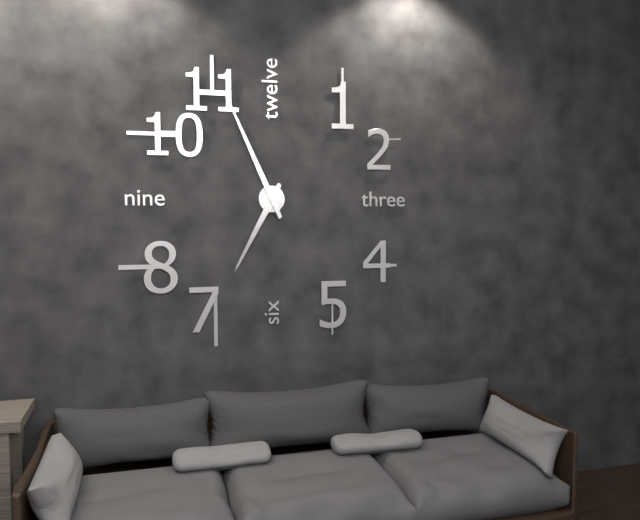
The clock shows **6:56**
